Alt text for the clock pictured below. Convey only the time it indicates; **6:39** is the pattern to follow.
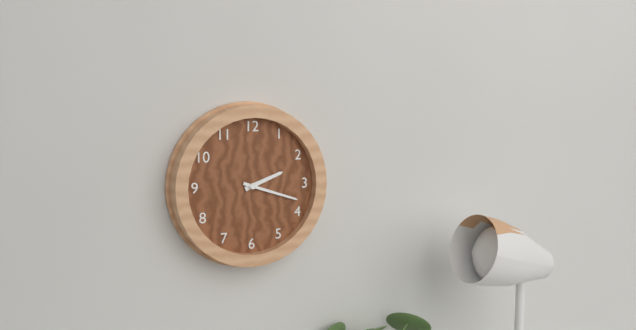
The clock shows **2:18**
